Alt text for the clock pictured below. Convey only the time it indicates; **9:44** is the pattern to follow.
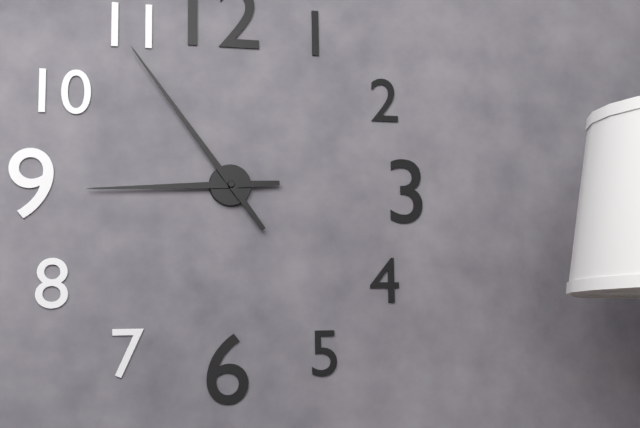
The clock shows **8:54**
